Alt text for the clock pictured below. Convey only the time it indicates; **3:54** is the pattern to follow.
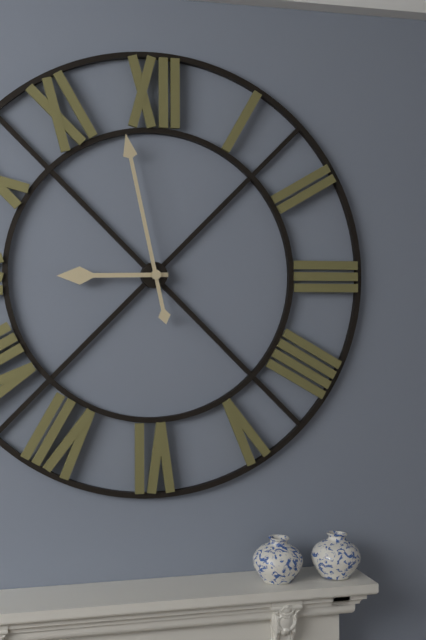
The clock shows **8:58**
